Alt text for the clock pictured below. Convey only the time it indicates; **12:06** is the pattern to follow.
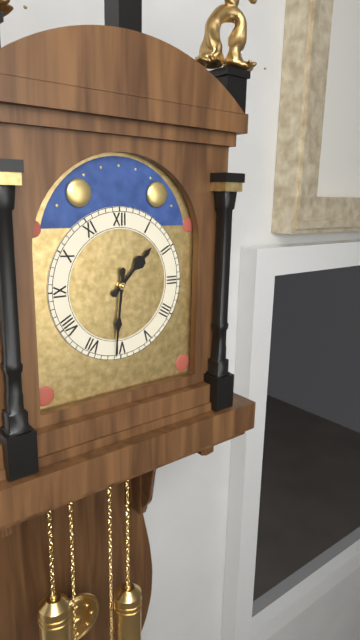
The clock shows **1:31**
